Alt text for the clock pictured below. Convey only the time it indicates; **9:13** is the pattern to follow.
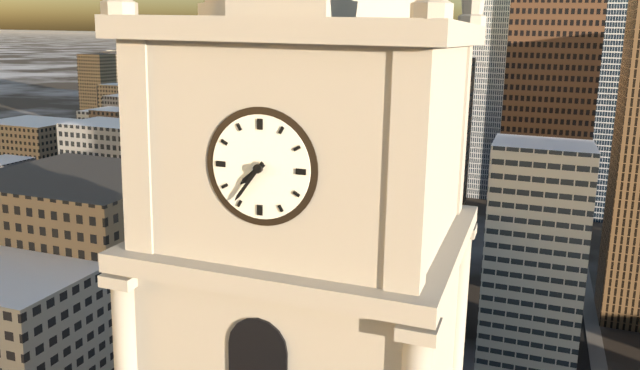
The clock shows **7:36**
